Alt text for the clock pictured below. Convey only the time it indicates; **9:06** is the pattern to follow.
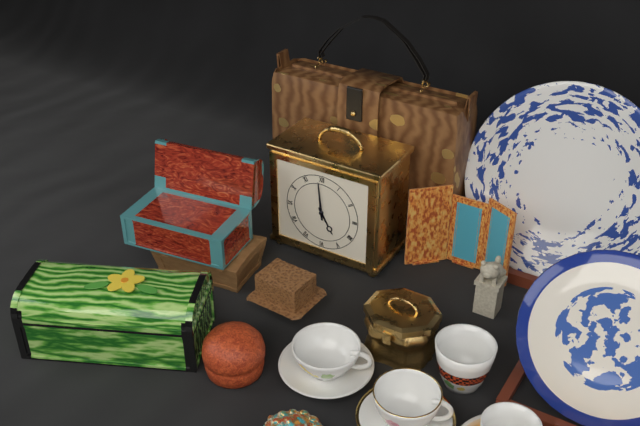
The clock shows **4:59**
